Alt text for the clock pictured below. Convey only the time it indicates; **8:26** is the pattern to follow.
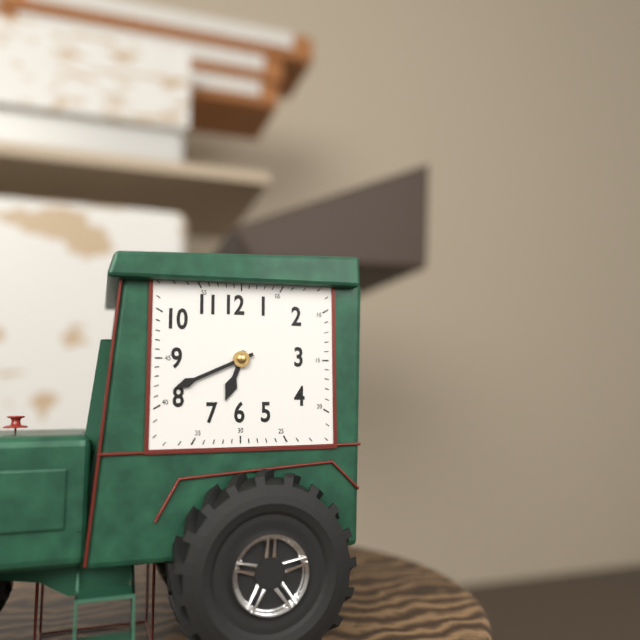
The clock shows **6:41**
